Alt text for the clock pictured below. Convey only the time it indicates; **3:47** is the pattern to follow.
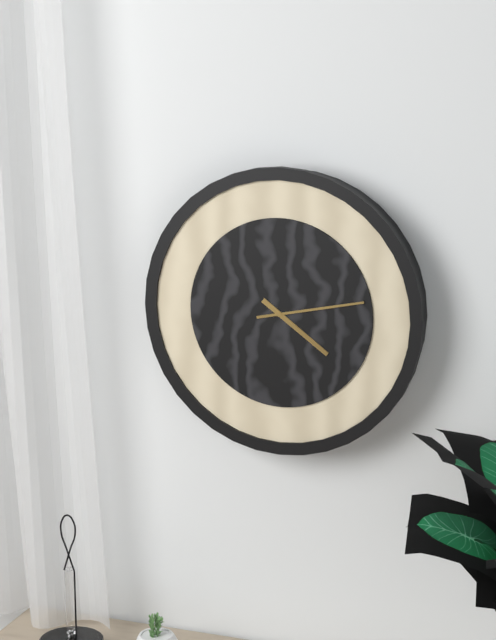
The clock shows **4:13**
